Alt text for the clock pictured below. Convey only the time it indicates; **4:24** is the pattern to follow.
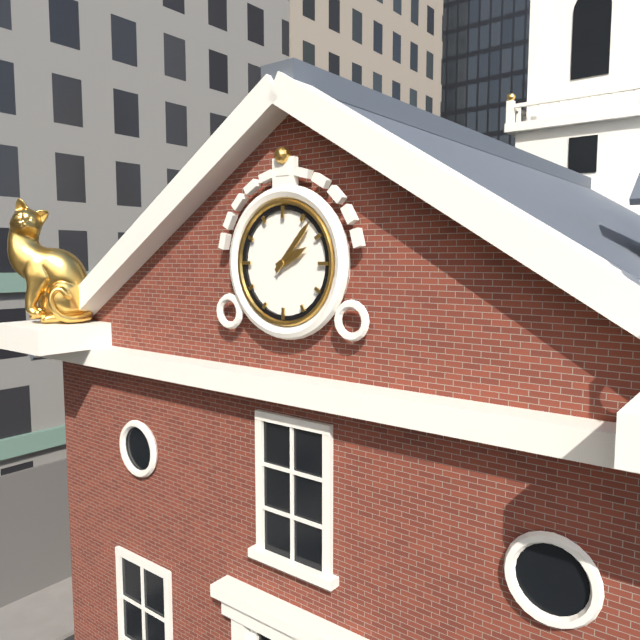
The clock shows **2:07**
